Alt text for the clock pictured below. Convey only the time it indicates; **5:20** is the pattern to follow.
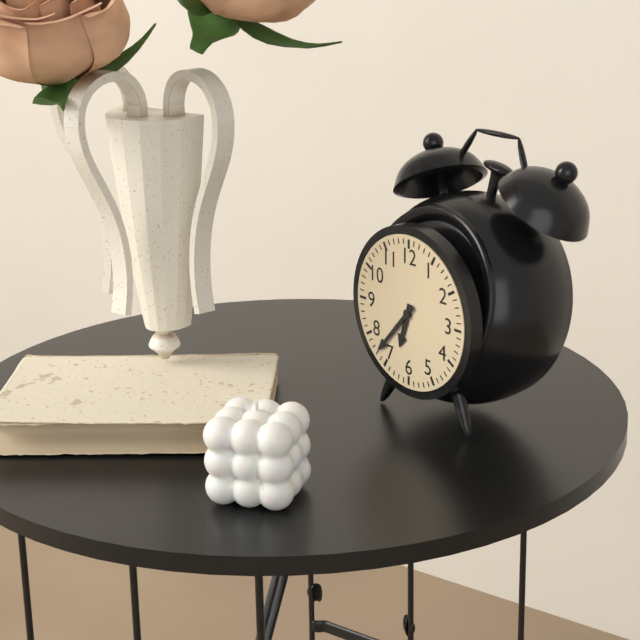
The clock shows **6:37**
